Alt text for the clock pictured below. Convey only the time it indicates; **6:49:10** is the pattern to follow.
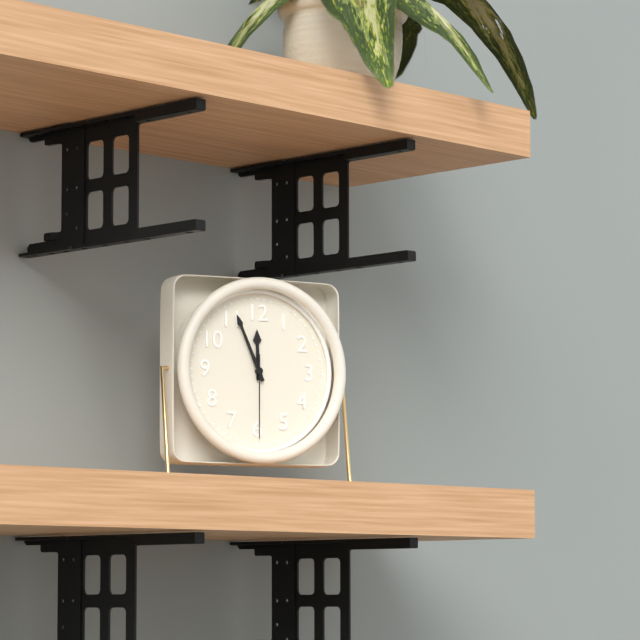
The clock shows **11:56:30**
